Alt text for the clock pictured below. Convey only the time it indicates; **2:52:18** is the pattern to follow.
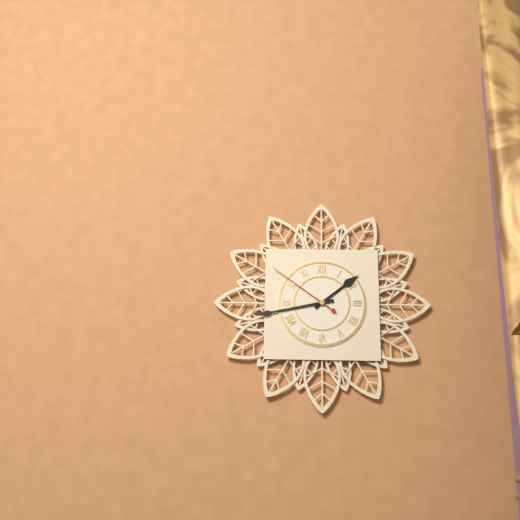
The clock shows **1:43:51**
